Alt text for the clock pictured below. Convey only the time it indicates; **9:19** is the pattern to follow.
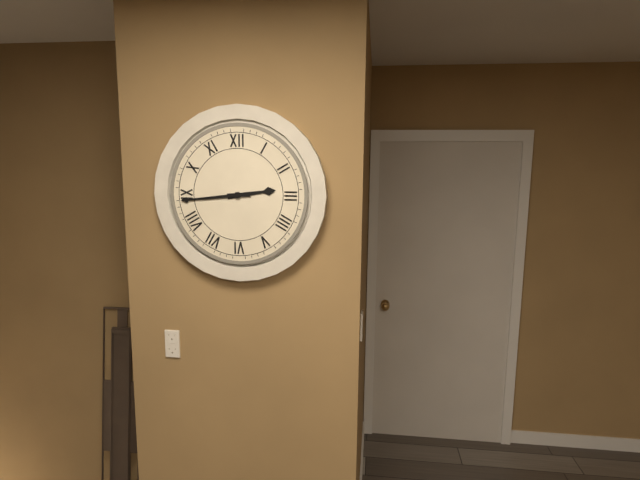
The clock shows **2:44**
